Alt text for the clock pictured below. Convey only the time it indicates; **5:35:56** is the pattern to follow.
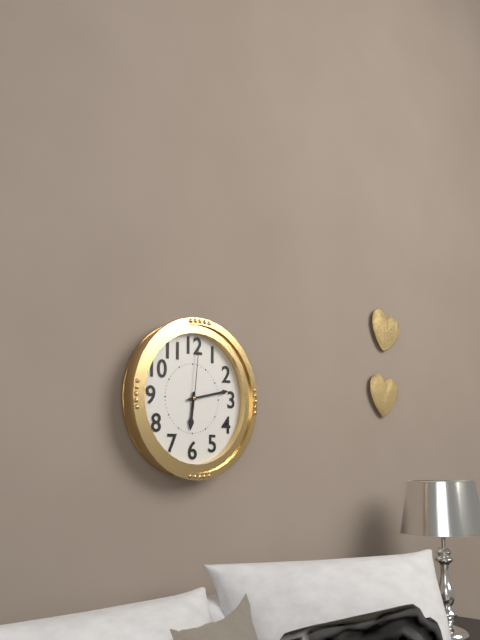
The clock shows **6:13:01**
